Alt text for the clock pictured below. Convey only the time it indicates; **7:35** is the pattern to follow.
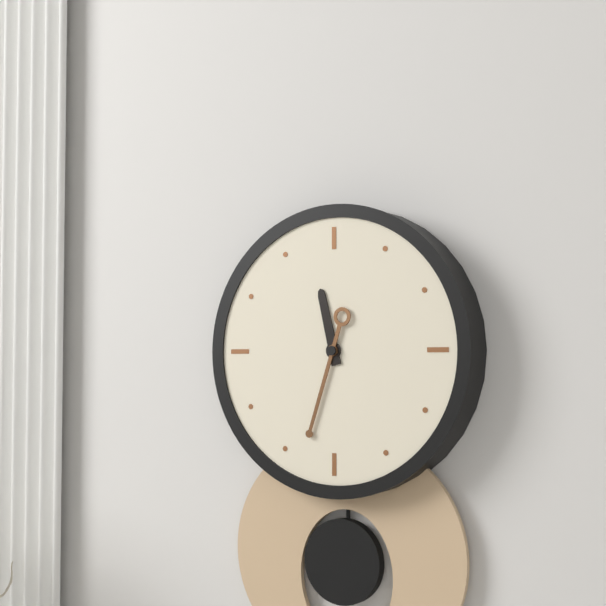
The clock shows **11:33**
